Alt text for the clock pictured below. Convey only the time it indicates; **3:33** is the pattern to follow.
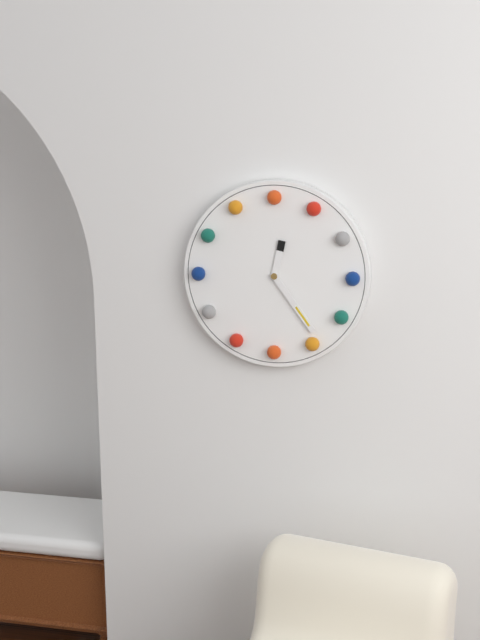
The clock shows **12:24**
